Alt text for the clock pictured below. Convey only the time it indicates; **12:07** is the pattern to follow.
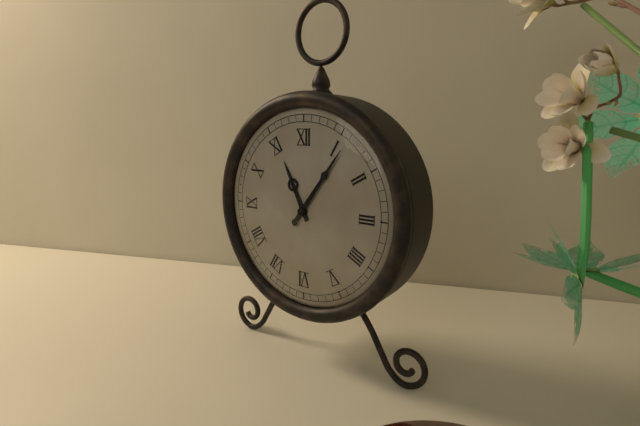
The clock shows **11:06**
